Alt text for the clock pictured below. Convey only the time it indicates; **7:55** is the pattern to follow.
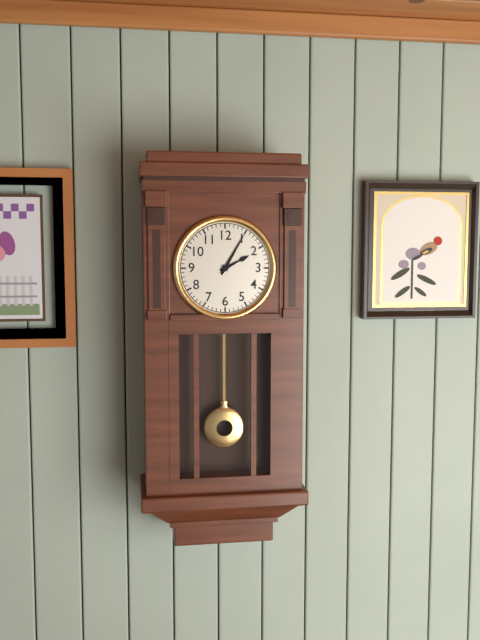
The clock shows **2:05**
